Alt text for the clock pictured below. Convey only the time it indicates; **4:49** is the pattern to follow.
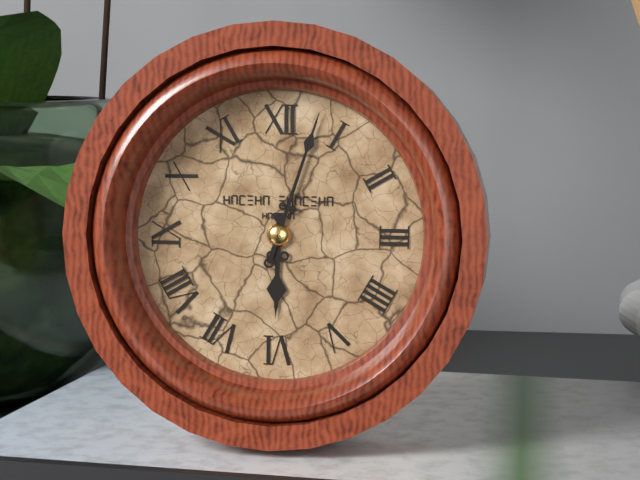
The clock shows **6:03**
